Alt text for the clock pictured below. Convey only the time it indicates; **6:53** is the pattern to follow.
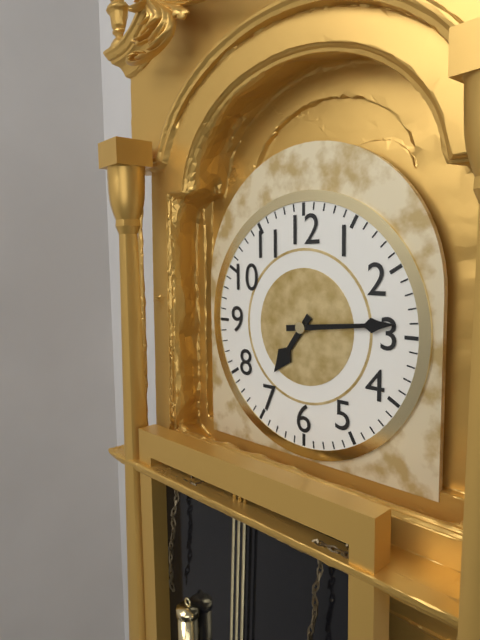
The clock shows **7:14**
